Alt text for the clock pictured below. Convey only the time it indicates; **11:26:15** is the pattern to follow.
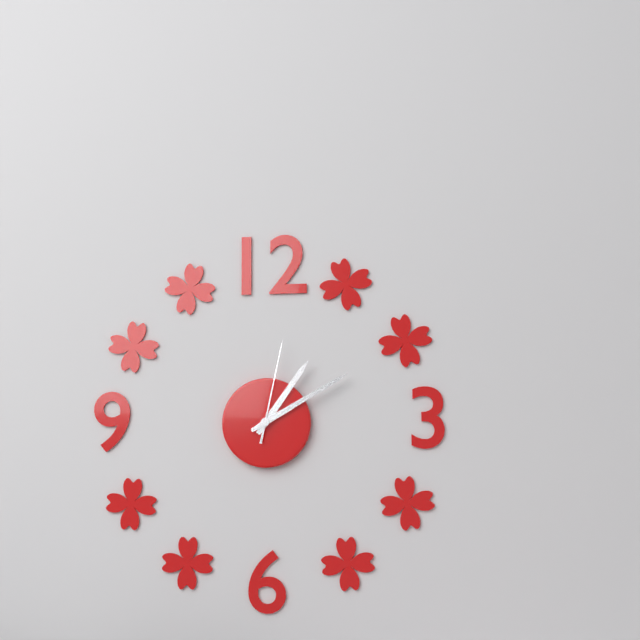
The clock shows **1:10:02**
